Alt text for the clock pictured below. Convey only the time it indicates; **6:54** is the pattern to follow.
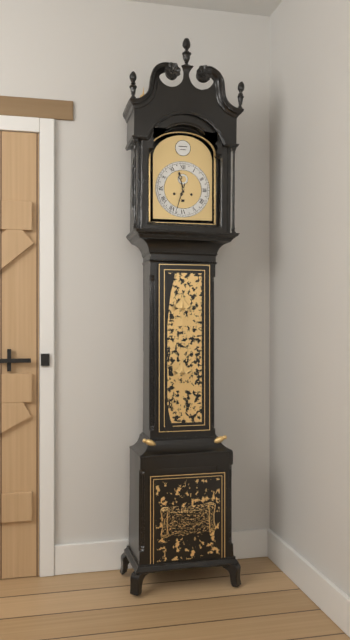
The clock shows **11:33**
